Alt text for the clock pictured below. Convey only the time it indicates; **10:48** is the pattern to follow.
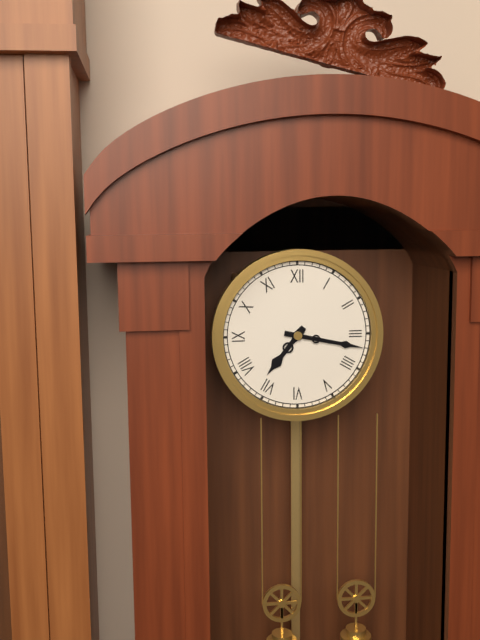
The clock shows **7:17**
